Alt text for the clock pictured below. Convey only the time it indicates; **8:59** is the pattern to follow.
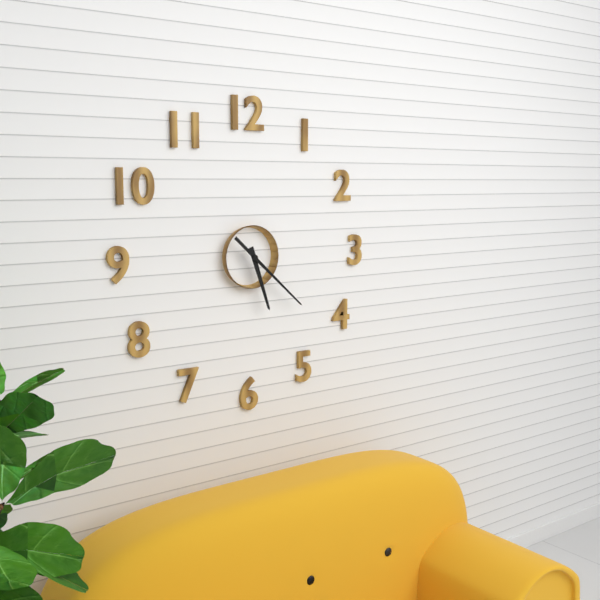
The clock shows **5:22**
